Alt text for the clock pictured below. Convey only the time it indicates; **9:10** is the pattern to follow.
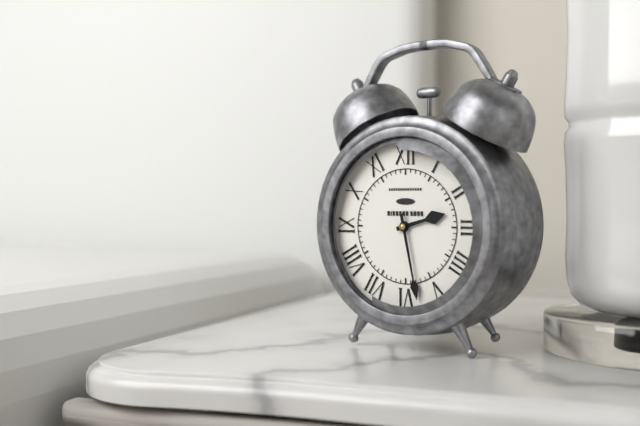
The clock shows **2:28**
